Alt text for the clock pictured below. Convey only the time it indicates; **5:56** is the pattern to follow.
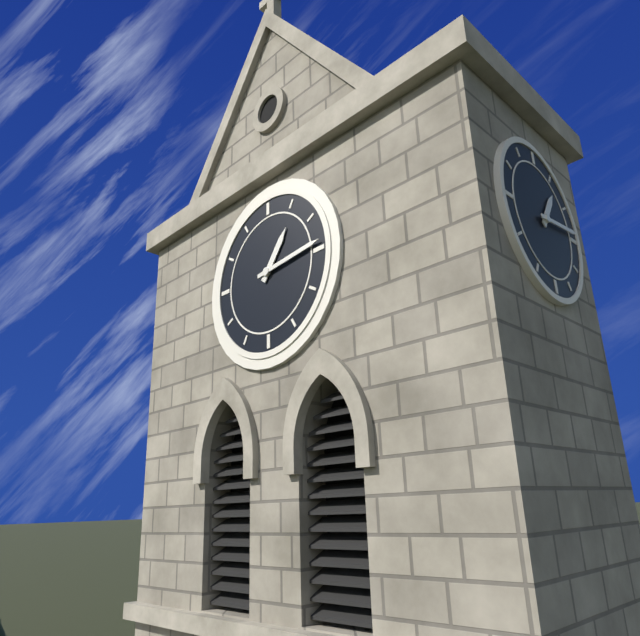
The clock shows **1:14**
